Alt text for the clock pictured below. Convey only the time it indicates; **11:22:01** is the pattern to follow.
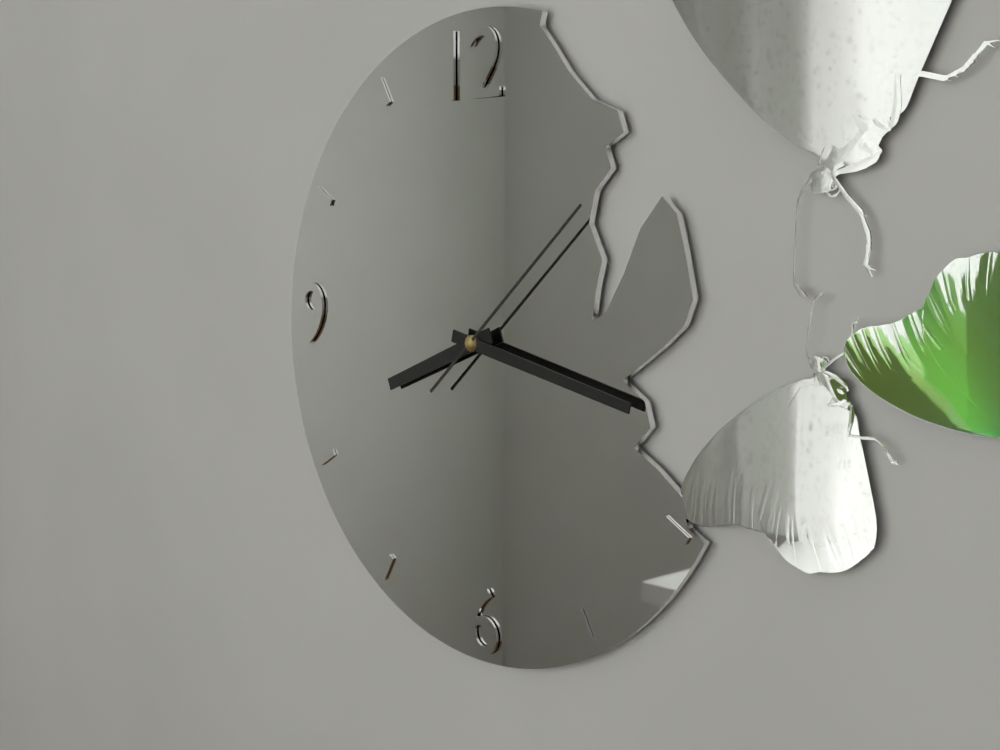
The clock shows **8:17:08**
